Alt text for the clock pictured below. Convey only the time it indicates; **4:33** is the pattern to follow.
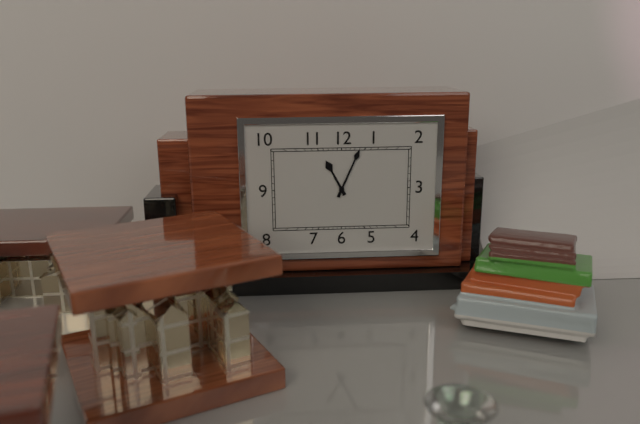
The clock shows **11:04**
